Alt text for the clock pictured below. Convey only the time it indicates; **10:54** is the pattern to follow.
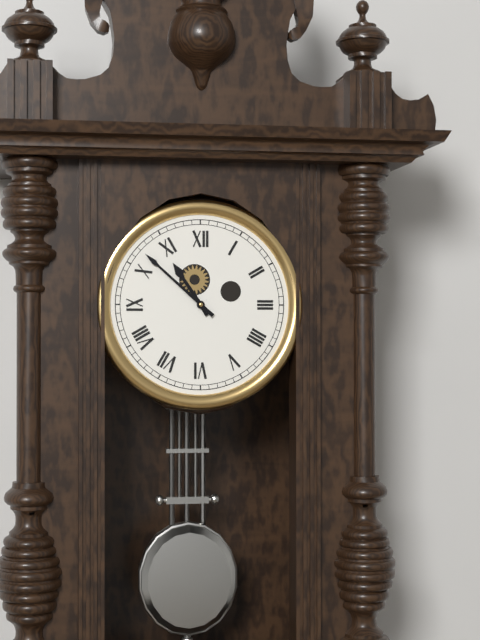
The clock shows **10:52**
